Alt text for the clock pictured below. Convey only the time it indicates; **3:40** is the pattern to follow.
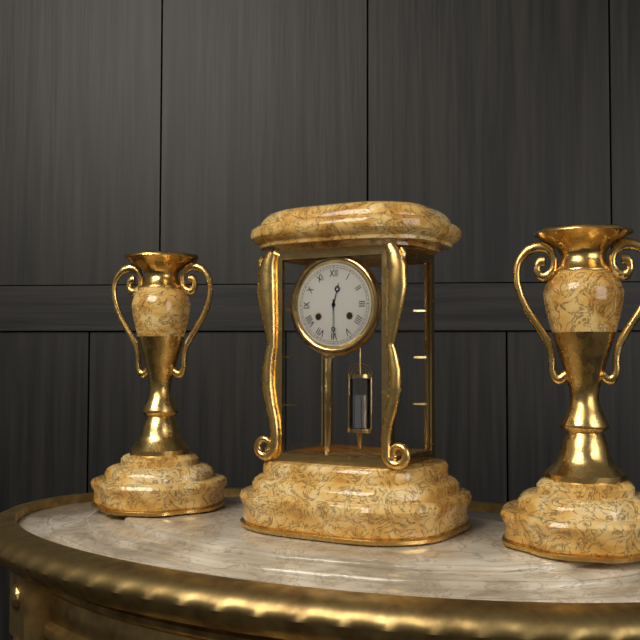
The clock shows **12:30**
